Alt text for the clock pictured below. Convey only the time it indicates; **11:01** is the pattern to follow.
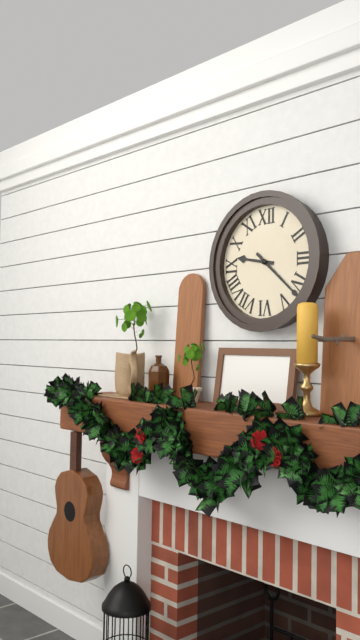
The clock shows **9:22**
